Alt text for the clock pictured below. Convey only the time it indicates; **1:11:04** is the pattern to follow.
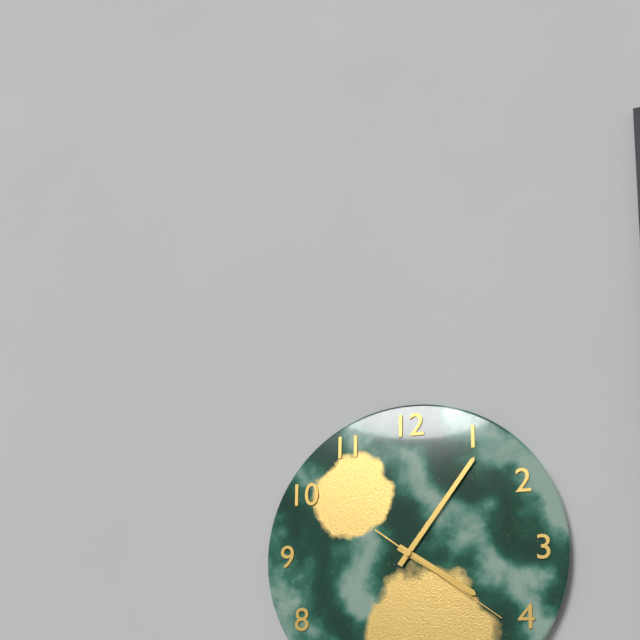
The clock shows **4:06:21**
